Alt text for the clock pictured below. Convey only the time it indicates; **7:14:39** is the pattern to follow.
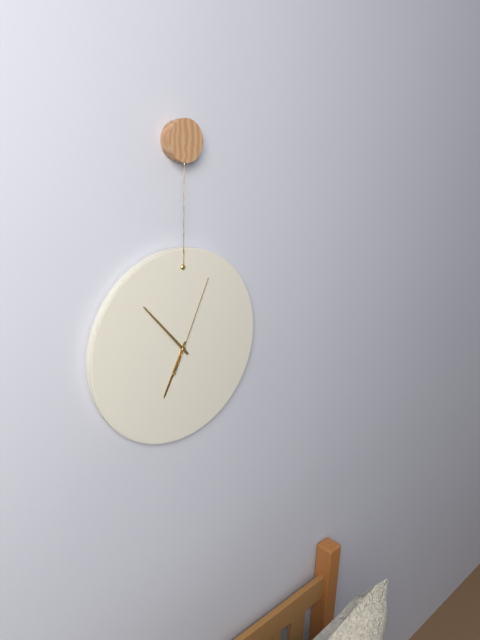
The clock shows **6:53:04**
